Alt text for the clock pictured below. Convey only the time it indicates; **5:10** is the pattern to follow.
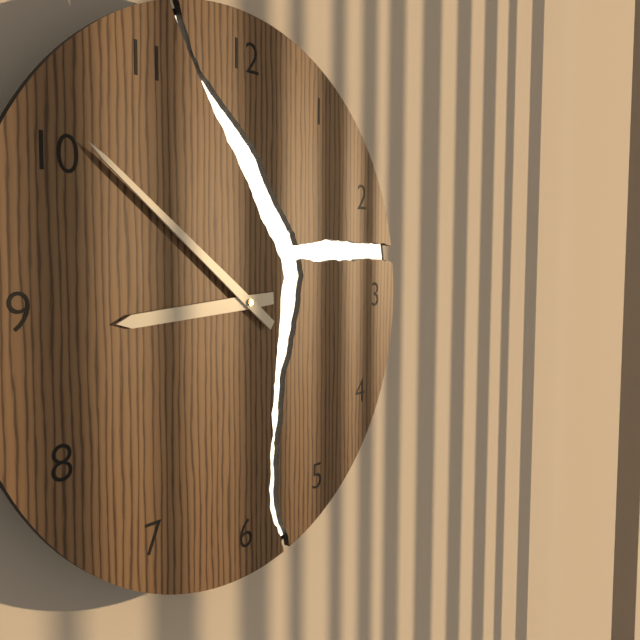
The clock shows **8:51**
